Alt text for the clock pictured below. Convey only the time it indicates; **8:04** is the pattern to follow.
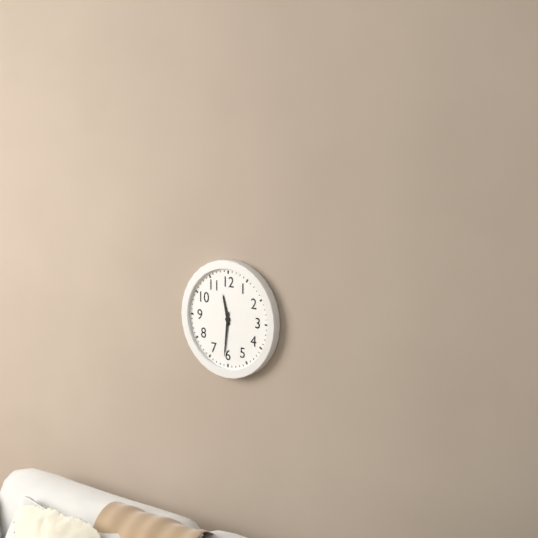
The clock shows **11:31**
